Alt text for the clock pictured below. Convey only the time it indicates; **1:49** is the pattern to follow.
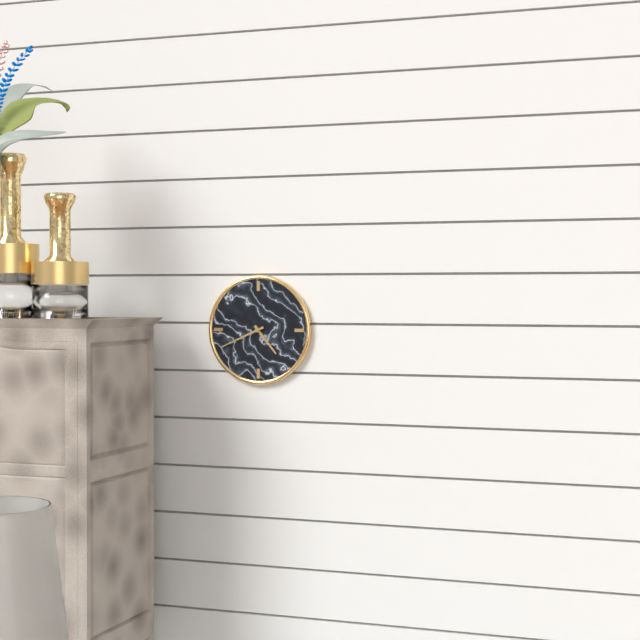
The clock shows **4:41**
